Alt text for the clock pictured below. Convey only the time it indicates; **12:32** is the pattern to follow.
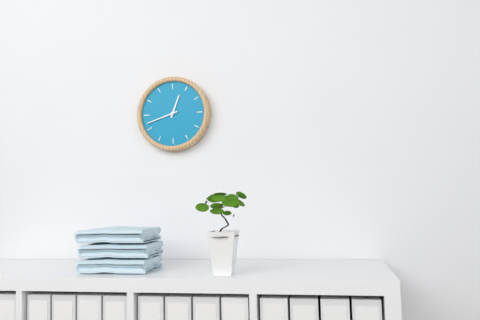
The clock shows **12:42**
